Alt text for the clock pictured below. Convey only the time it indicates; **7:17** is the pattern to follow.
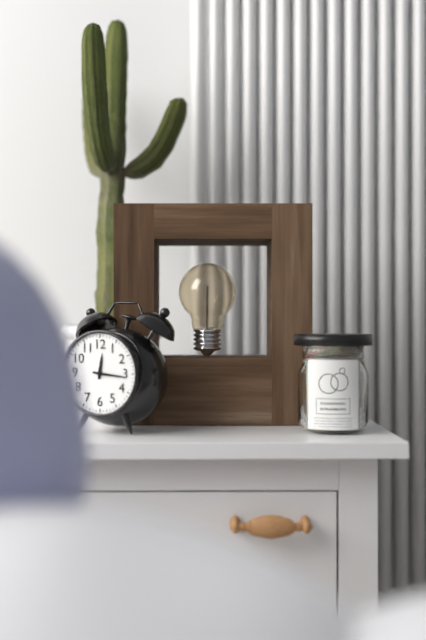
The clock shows **12:16**
